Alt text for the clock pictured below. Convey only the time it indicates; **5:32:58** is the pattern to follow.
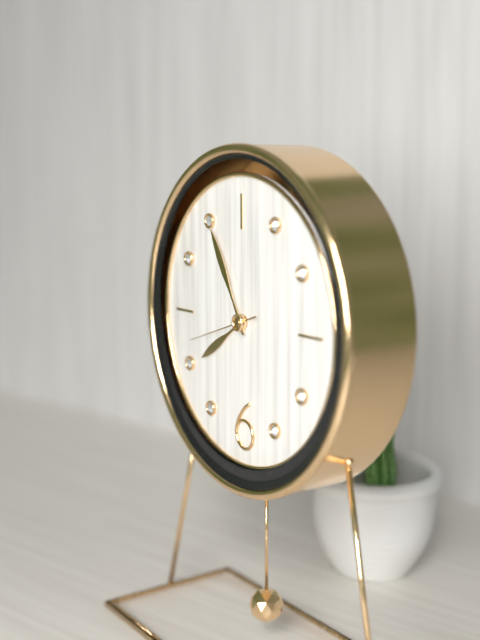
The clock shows **7:55:42**
